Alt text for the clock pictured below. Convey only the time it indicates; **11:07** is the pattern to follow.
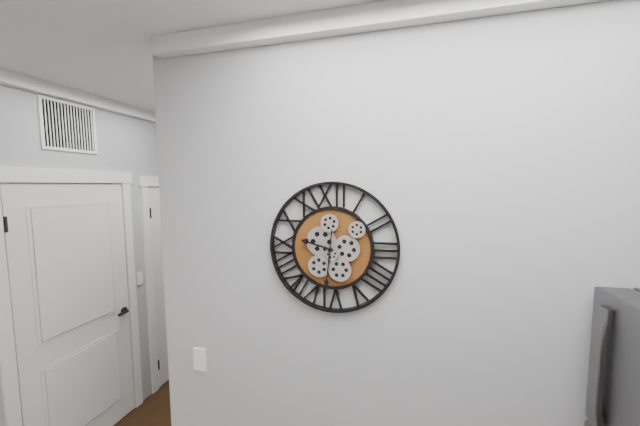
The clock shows **9:31**
